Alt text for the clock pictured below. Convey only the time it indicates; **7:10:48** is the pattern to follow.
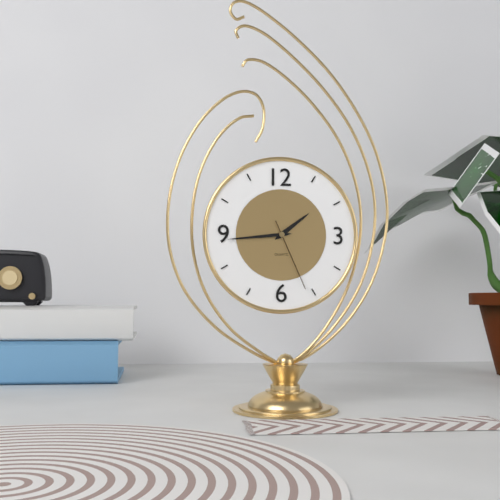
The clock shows **1:44:26**
